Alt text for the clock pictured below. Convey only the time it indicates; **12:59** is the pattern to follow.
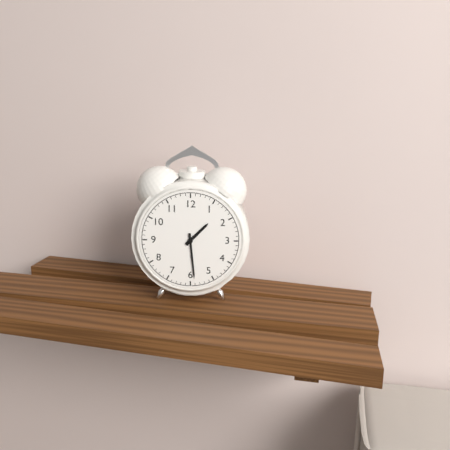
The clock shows **1:29**
